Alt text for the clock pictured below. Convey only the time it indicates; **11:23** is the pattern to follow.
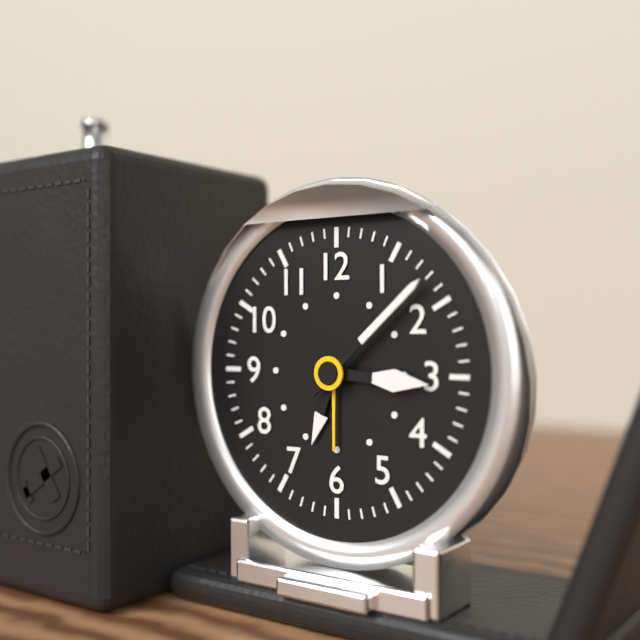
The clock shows **3:08**
